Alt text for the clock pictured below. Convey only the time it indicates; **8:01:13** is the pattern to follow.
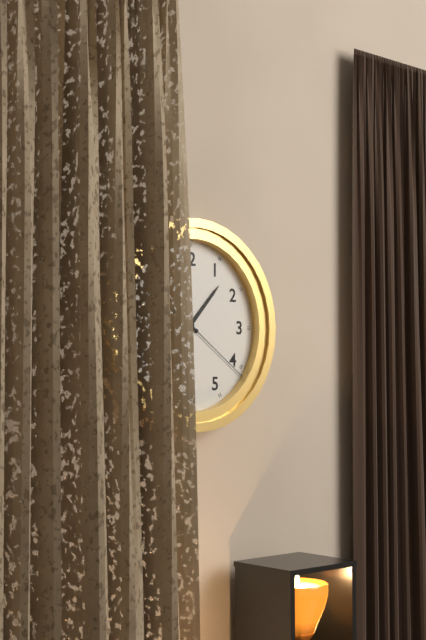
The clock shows **10:07:21**
